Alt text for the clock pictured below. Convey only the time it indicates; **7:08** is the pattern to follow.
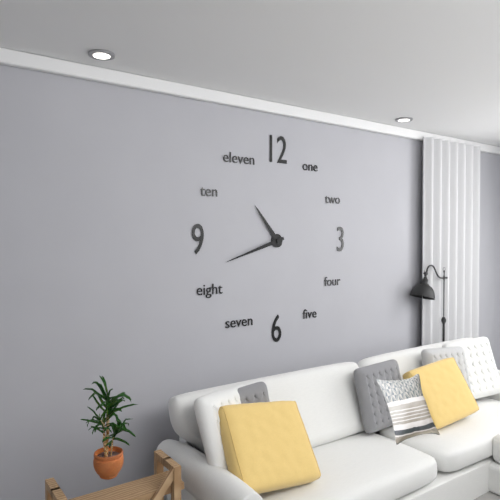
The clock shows **10:42**
